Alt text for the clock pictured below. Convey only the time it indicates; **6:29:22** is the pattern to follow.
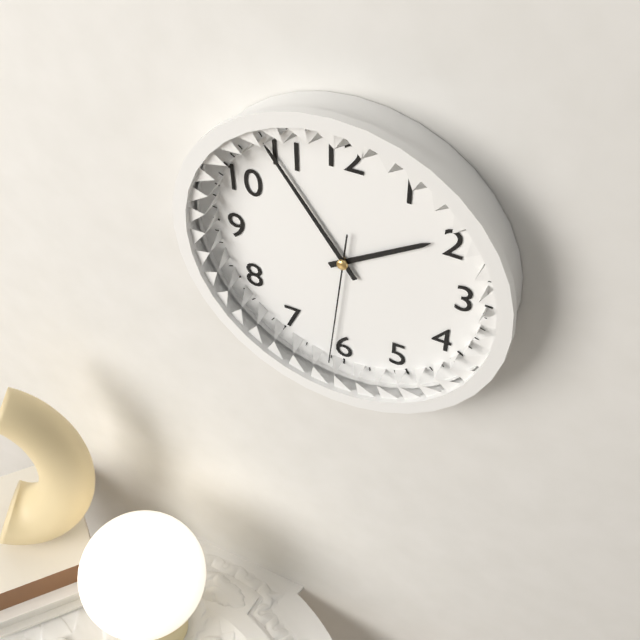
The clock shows **1:54:31**
